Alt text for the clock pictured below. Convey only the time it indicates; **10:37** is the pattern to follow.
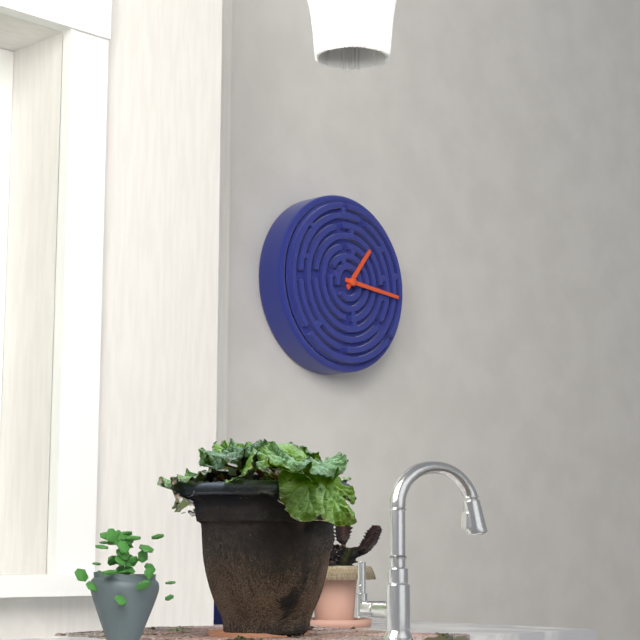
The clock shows **1:16**
